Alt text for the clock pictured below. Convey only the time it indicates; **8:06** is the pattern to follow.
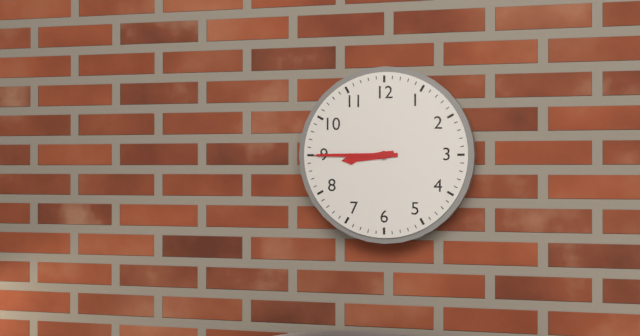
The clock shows **8:45**
